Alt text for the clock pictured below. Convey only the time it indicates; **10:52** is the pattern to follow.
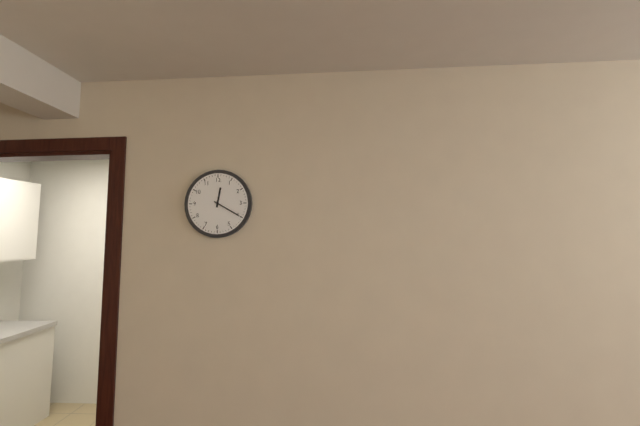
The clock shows **12:20**
